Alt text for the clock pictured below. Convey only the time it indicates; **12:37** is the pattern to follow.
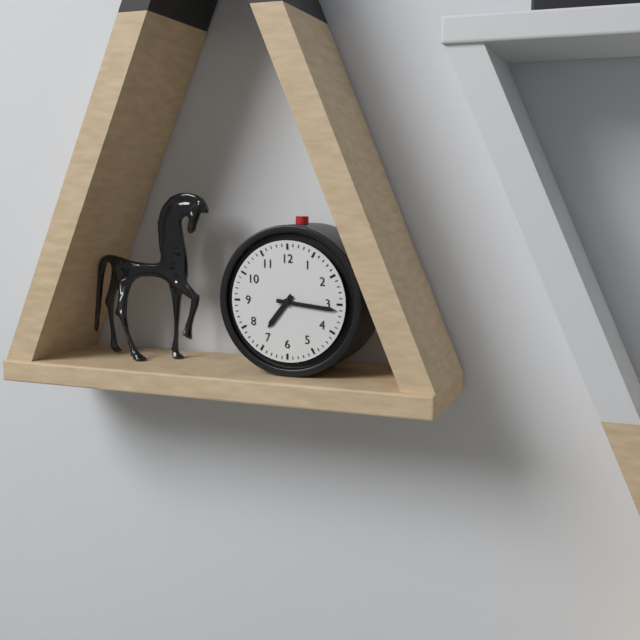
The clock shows **7:16**
